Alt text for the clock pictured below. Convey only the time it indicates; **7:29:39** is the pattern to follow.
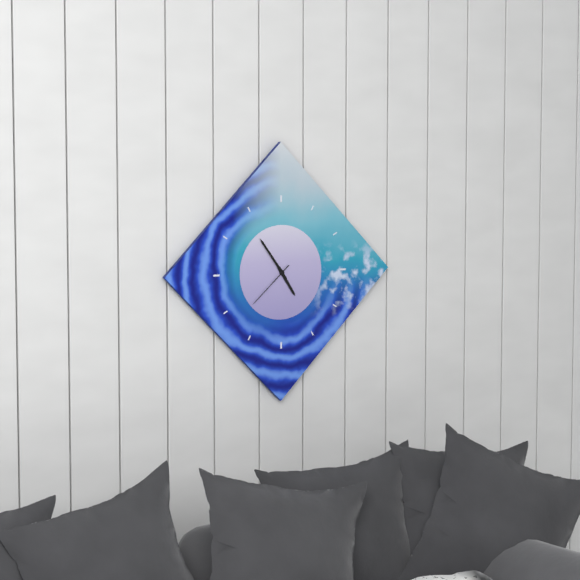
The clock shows **4:54:38**
